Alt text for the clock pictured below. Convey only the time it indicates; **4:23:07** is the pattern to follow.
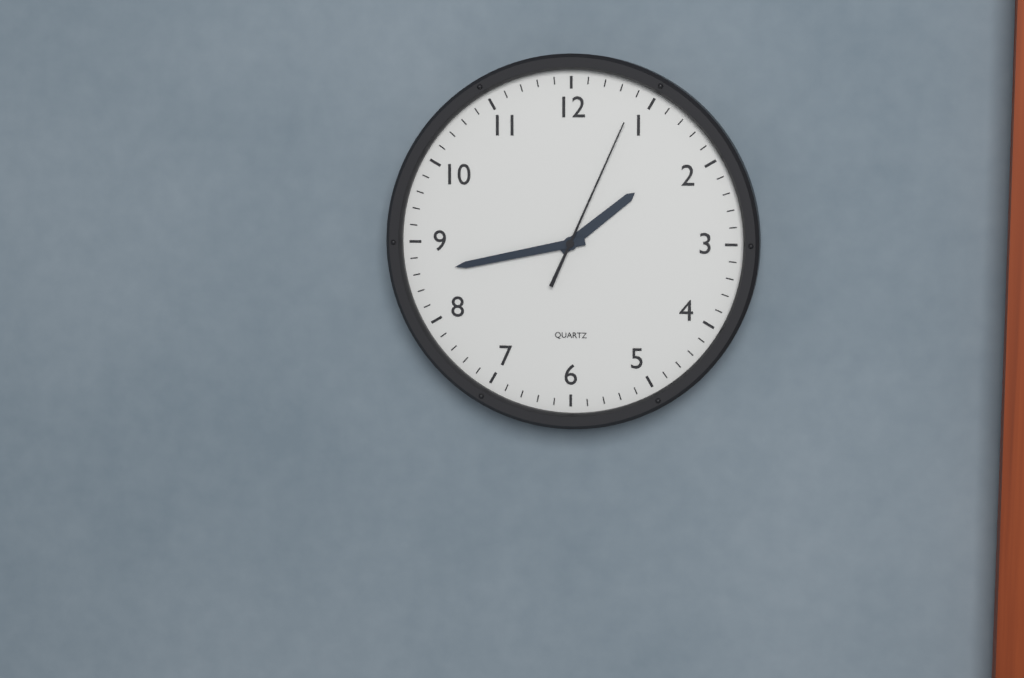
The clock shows **1:43:04**
